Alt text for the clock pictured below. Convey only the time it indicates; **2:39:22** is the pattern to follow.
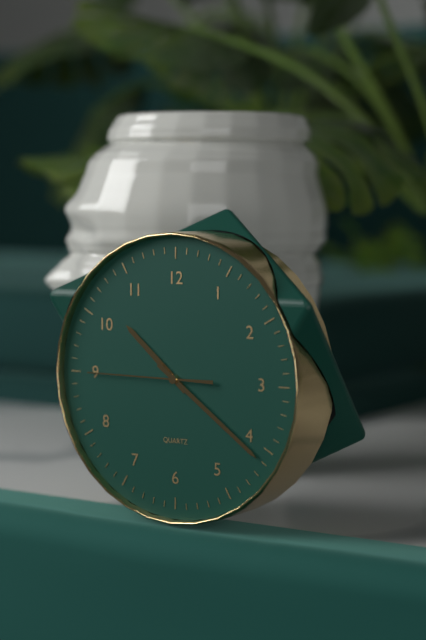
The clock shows **10:21:45**
